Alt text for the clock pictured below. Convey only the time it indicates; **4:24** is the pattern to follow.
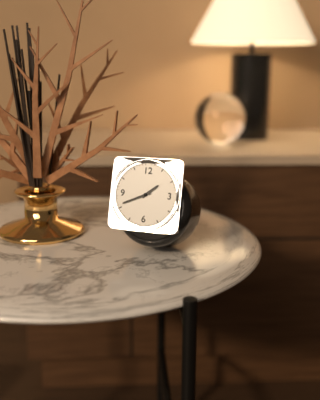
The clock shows **1:41**
